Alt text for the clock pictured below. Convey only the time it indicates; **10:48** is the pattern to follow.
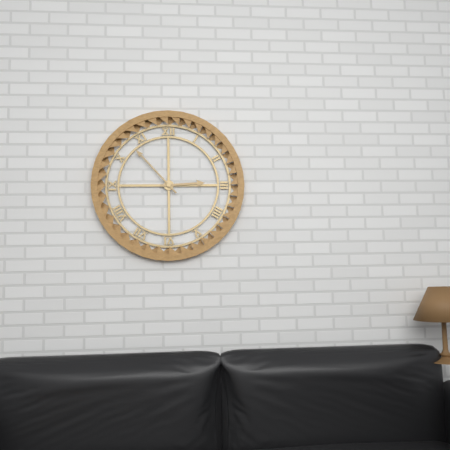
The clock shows **2:53**
